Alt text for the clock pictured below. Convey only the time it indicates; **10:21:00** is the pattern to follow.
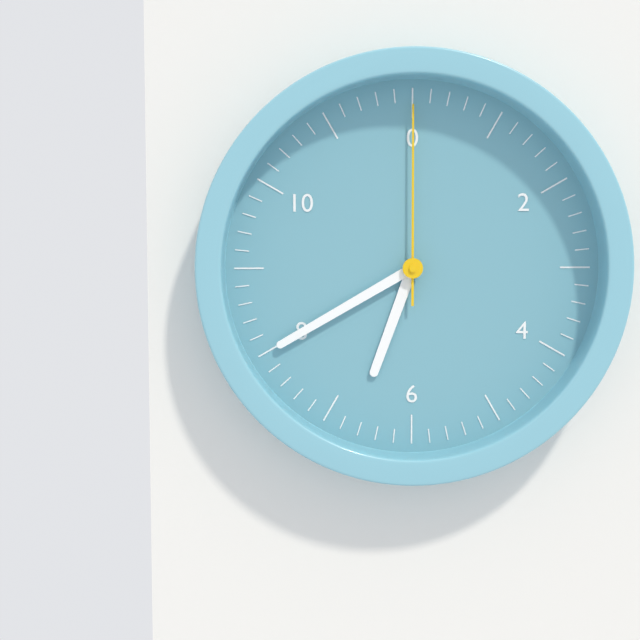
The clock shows **6:40:00**
